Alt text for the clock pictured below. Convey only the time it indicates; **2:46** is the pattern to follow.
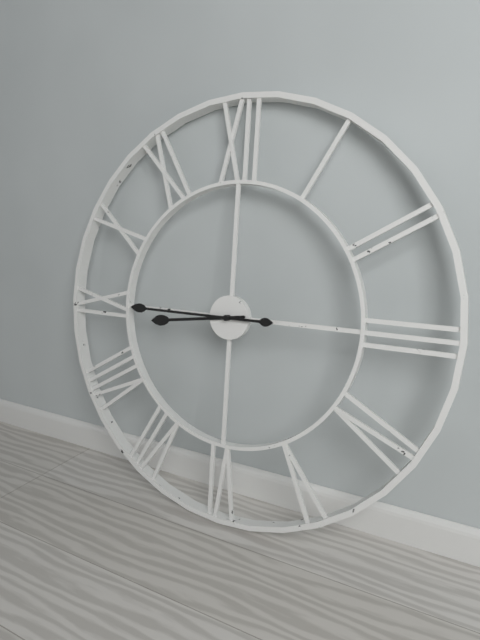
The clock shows **8:45**
